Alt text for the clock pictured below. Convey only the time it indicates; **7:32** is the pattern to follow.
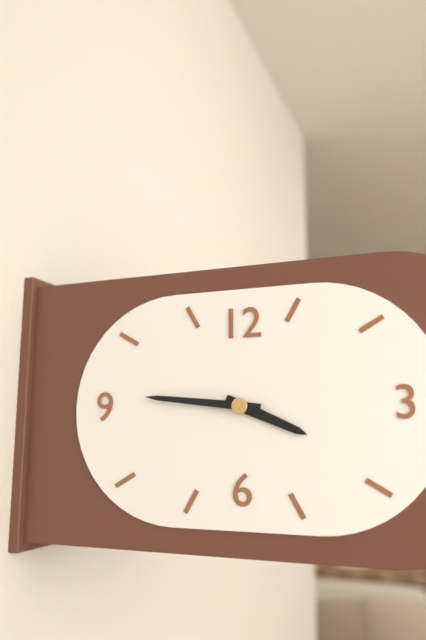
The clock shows **3:46**
